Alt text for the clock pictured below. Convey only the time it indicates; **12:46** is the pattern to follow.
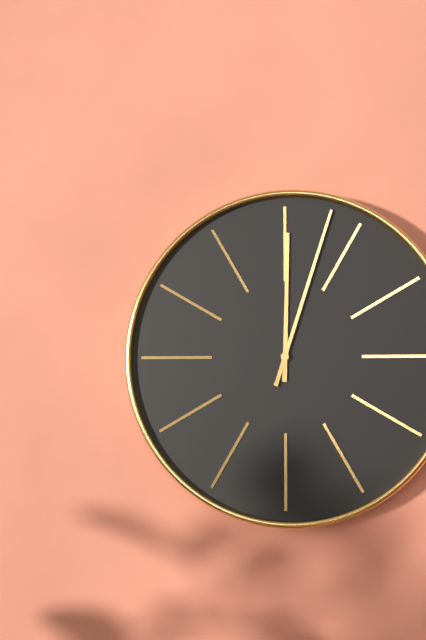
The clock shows **12:03**
